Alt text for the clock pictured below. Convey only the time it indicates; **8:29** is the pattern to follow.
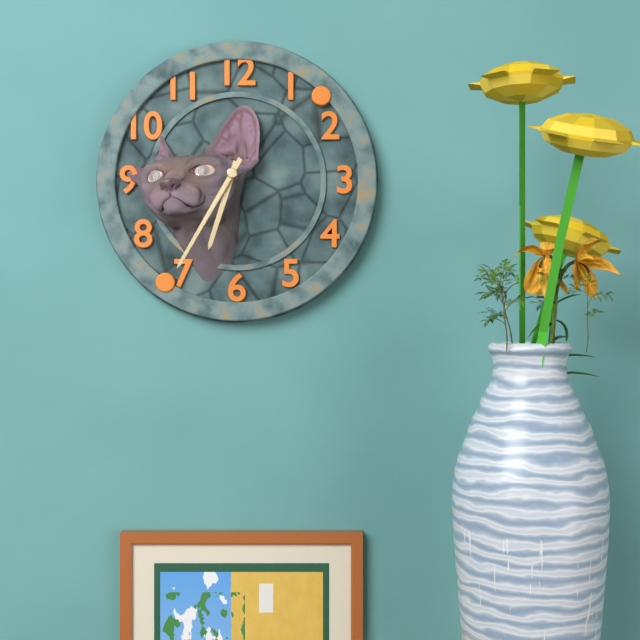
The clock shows **6:35**
